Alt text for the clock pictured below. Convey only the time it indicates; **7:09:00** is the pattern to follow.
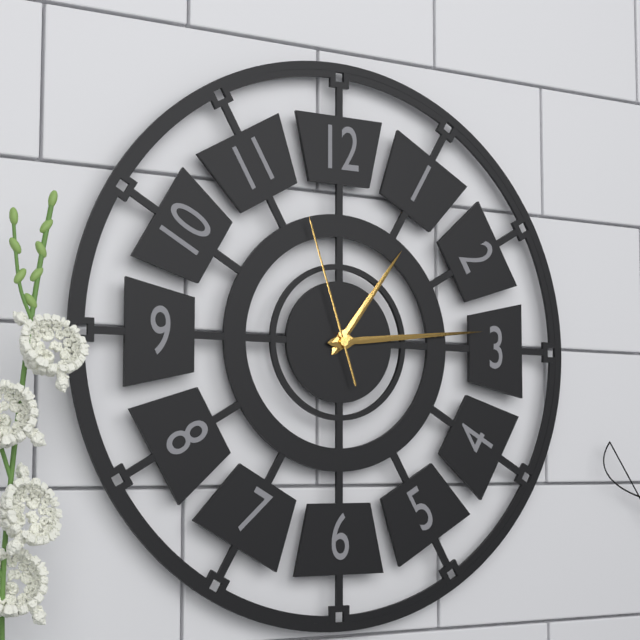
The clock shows **1:14:57**
